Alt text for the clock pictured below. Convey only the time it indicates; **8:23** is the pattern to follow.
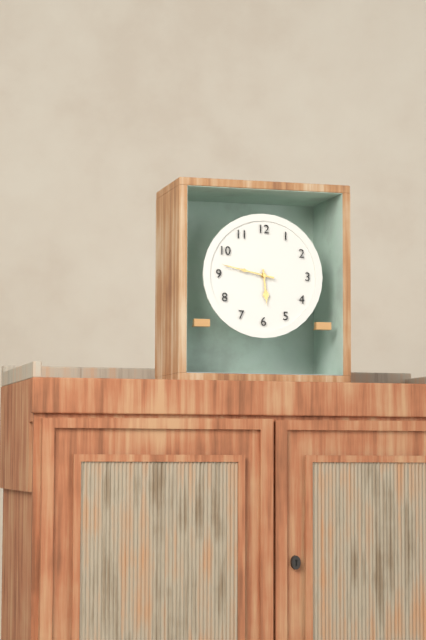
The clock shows **5:47**
